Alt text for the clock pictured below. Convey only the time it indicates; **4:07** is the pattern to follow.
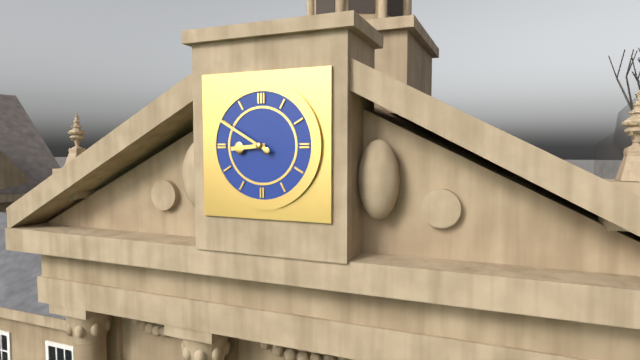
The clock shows **8:50**
